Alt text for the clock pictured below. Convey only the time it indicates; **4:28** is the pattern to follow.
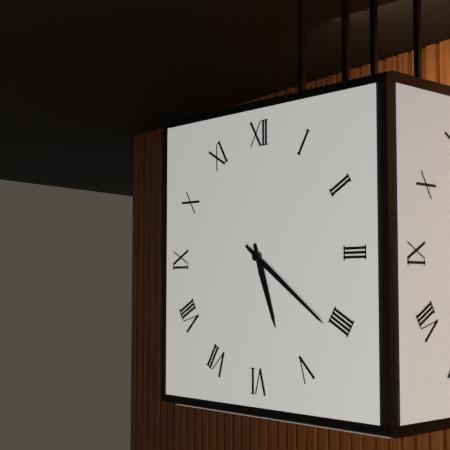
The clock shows **5:21**
